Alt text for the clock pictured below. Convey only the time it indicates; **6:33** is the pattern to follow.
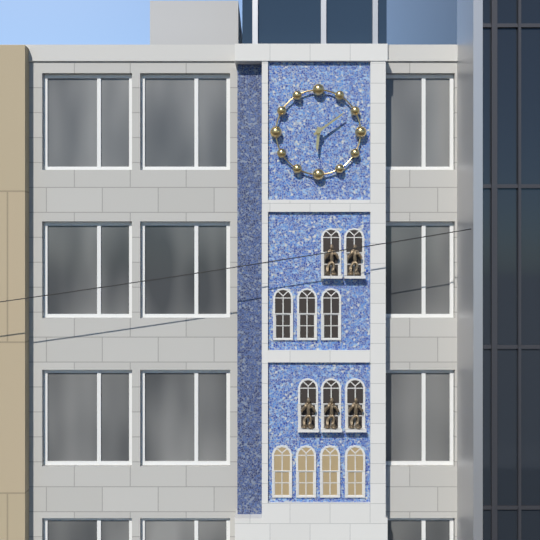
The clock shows **6:09**
